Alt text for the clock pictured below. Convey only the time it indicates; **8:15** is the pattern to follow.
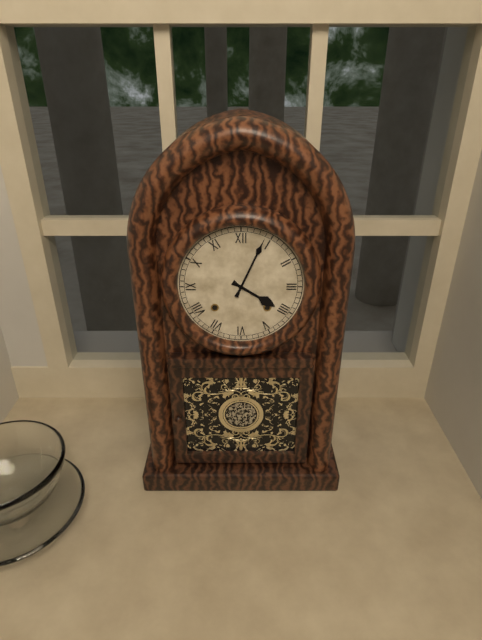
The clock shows **4:04**
